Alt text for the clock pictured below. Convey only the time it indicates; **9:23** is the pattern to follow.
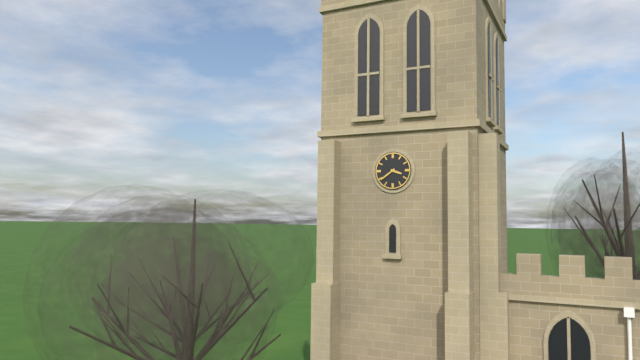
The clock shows **3:39**
